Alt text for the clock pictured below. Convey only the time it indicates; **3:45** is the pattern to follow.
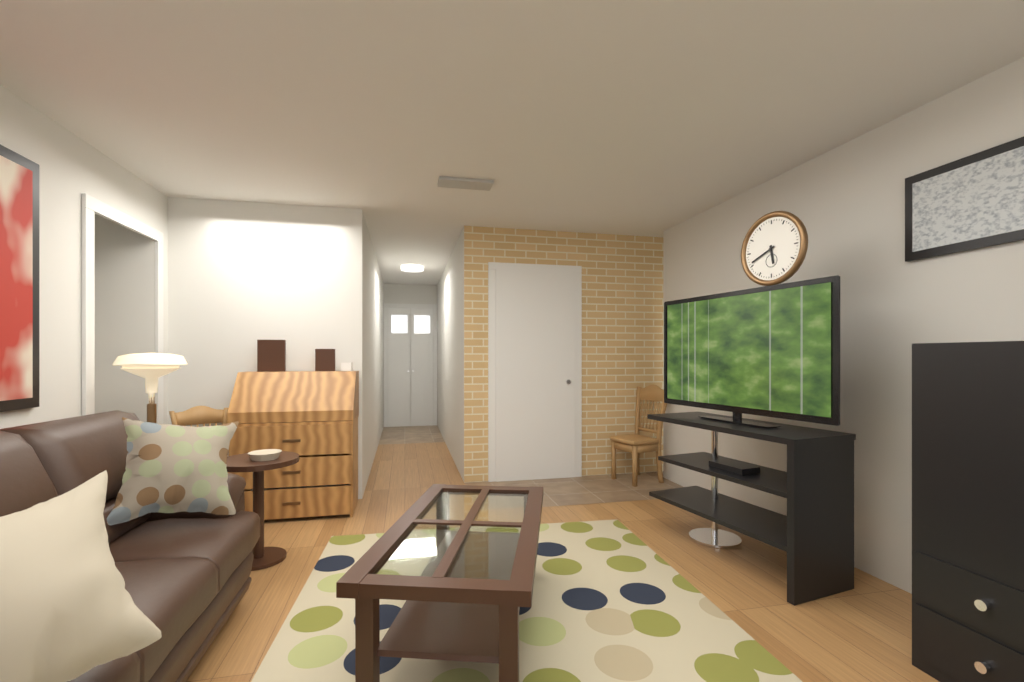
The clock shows **5:41**
